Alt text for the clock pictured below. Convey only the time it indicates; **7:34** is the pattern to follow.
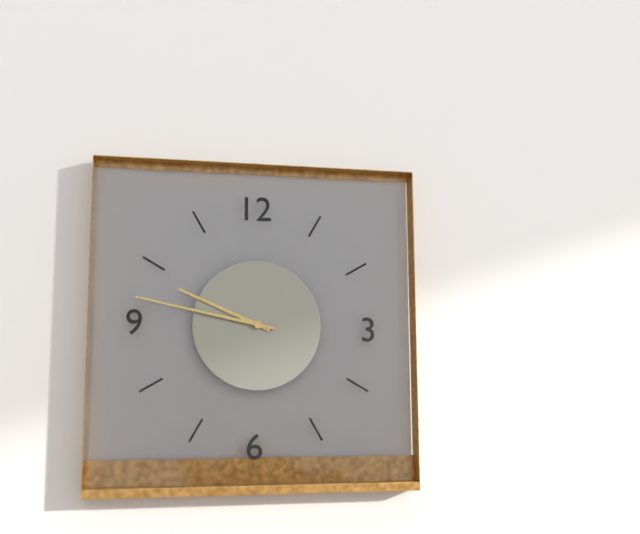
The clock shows **9:47**
